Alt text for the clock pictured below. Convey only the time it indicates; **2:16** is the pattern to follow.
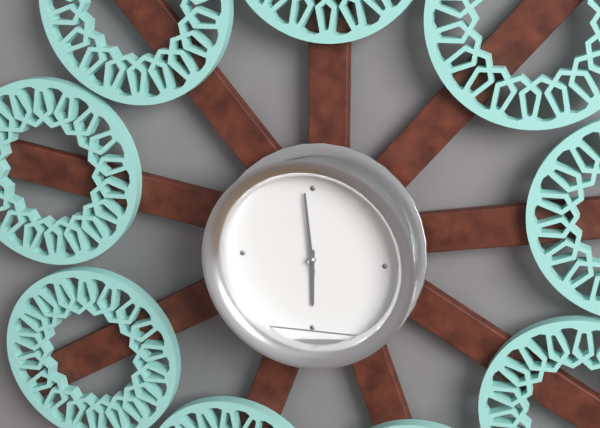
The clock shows **5:59**
